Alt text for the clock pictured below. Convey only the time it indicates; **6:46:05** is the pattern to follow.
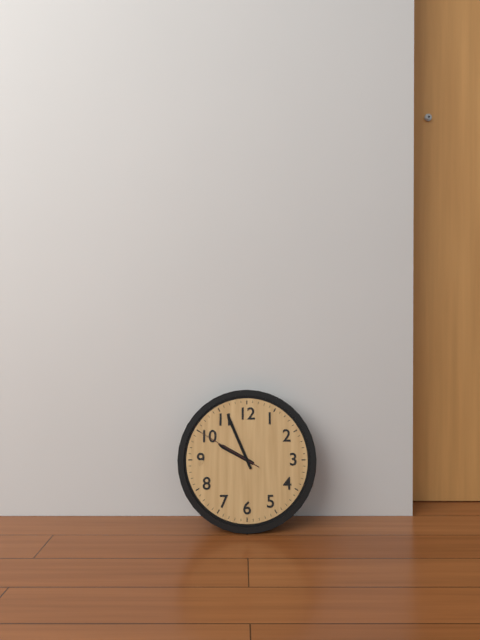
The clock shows **9:56:50**
